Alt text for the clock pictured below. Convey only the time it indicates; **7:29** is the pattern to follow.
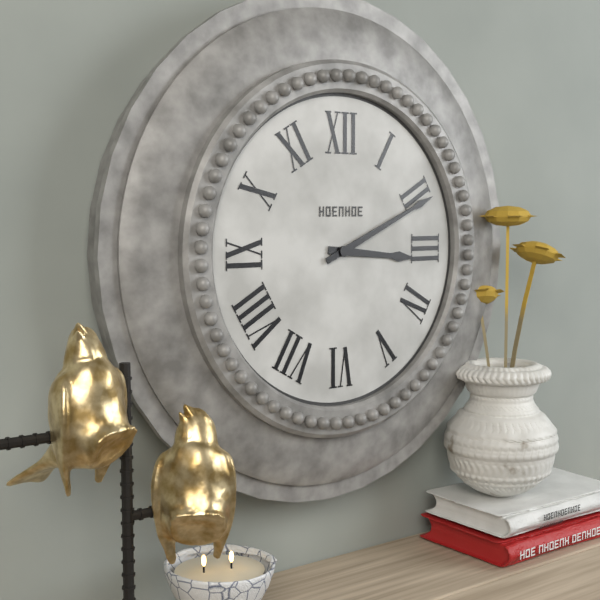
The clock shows **3:11**
